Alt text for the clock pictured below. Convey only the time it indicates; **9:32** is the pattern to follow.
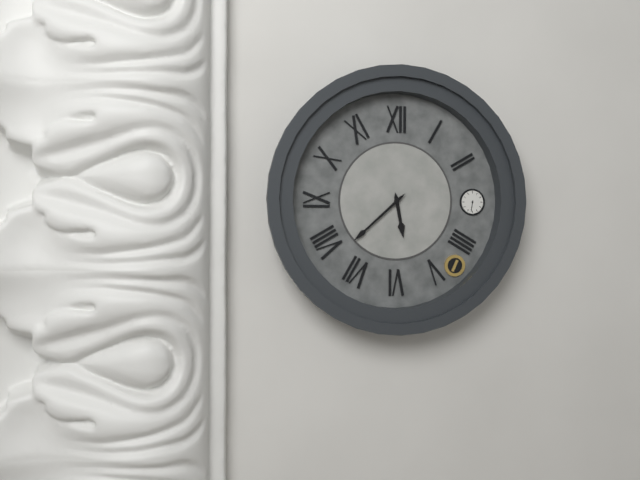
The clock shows **5:38**
